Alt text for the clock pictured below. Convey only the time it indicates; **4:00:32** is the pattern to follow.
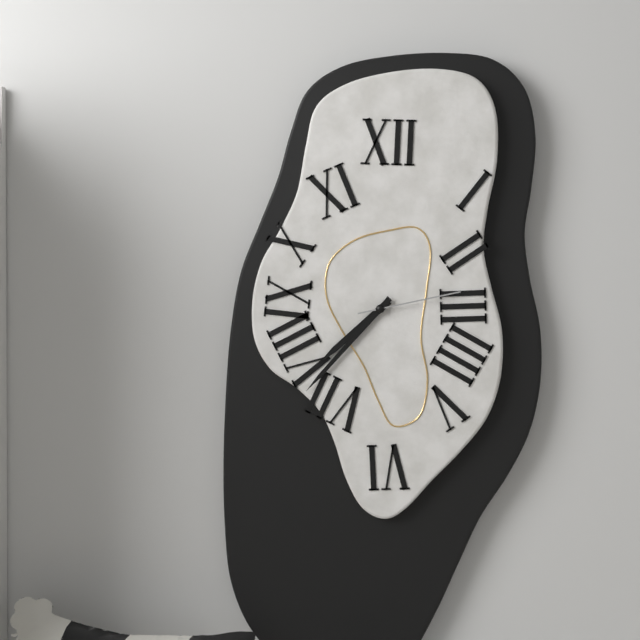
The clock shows **7:37:13**
